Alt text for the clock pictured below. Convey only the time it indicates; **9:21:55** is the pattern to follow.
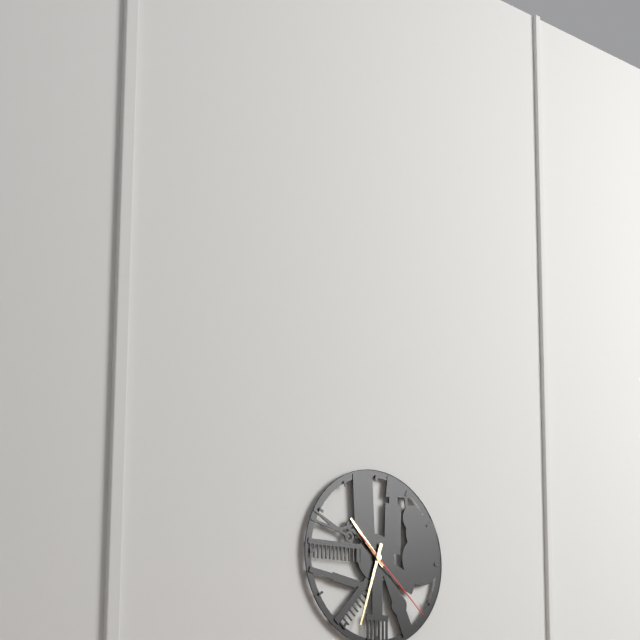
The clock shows **10:33:22**
